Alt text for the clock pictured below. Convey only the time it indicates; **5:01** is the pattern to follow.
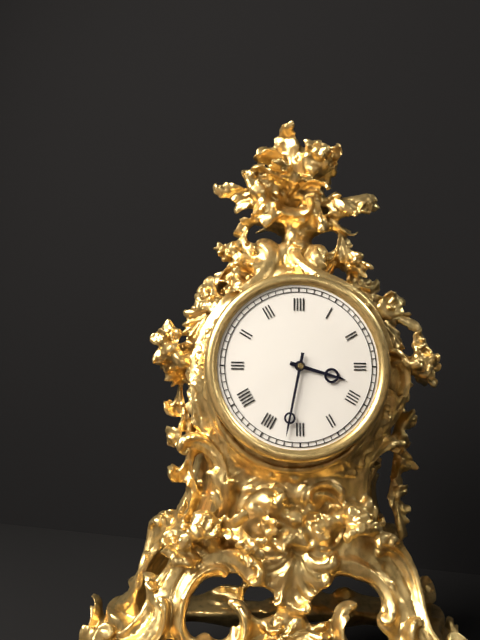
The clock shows **3:32**
